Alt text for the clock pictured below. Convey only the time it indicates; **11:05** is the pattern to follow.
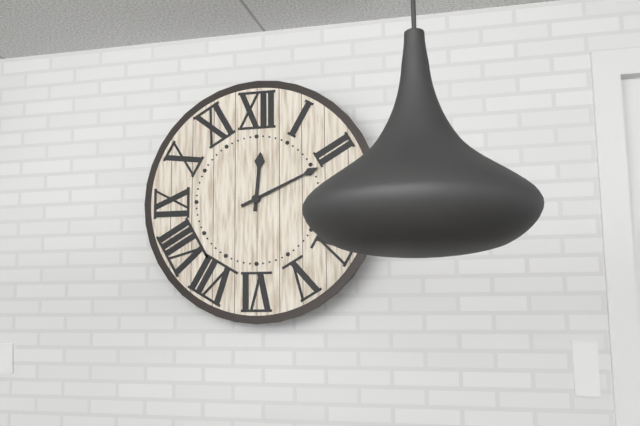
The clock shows **12:11**
